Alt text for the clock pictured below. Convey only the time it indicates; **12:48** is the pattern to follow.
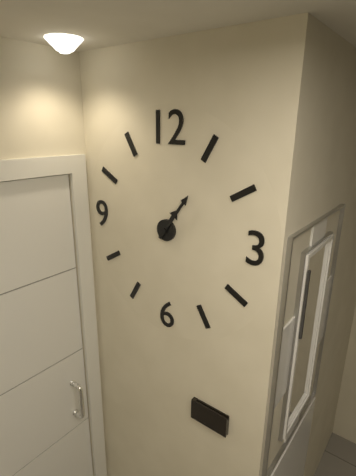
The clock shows **1:06**
